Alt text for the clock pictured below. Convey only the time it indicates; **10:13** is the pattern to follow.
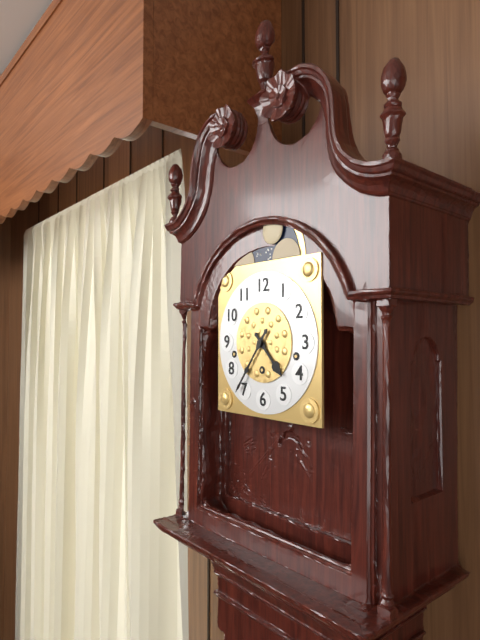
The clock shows **4:36**
